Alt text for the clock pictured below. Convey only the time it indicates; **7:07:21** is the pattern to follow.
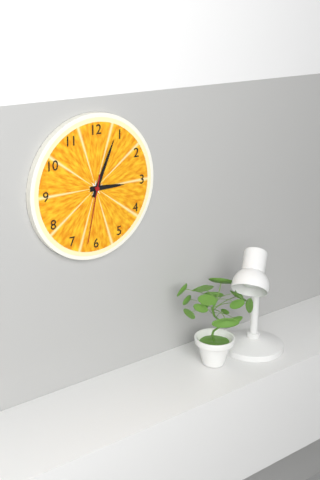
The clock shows **3:04:32**
